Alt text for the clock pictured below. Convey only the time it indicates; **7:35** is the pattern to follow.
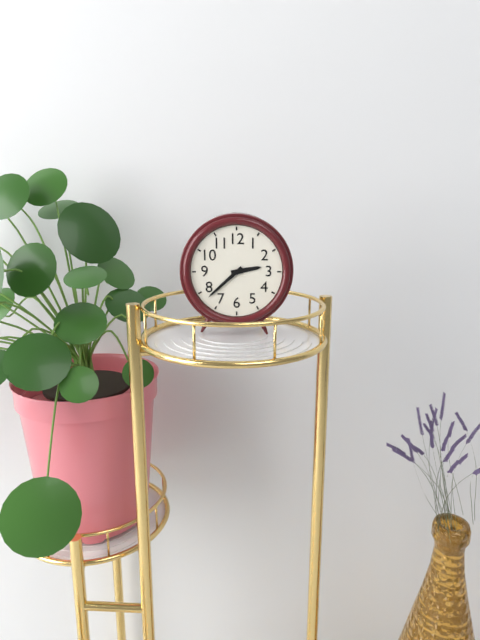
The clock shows **2:38**
